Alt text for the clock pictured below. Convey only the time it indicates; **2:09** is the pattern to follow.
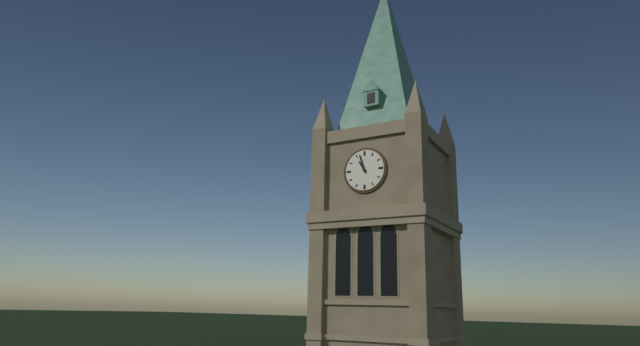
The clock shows **10:57**
